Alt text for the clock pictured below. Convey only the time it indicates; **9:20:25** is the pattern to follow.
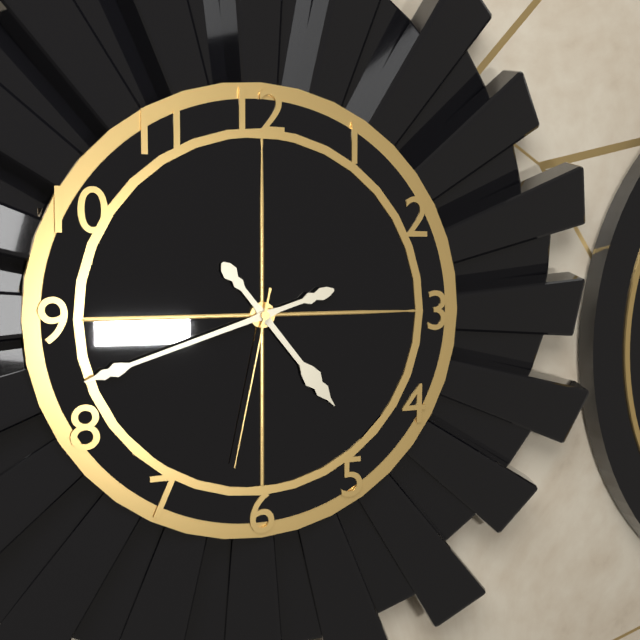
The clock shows **4:42:32**
